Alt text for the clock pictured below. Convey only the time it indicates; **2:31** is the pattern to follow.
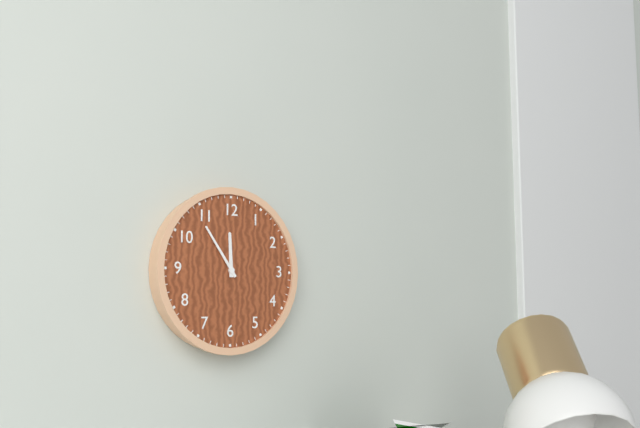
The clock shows **11:54**
